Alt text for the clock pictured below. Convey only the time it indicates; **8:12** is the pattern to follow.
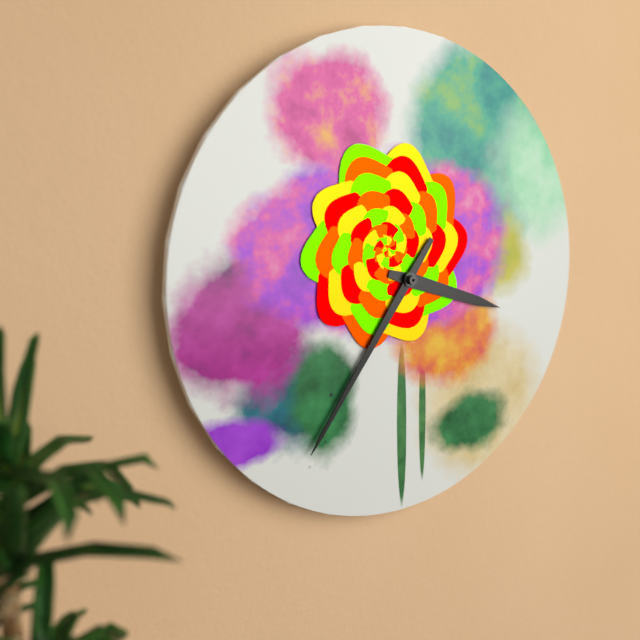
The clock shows **3:36**
